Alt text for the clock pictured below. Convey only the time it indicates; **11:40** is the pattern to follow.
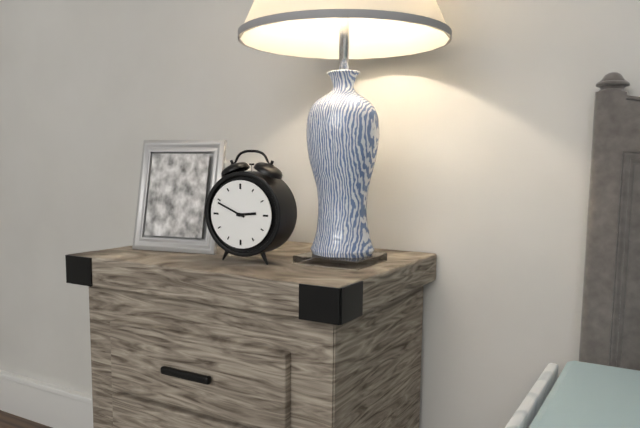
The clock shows **2:49**
